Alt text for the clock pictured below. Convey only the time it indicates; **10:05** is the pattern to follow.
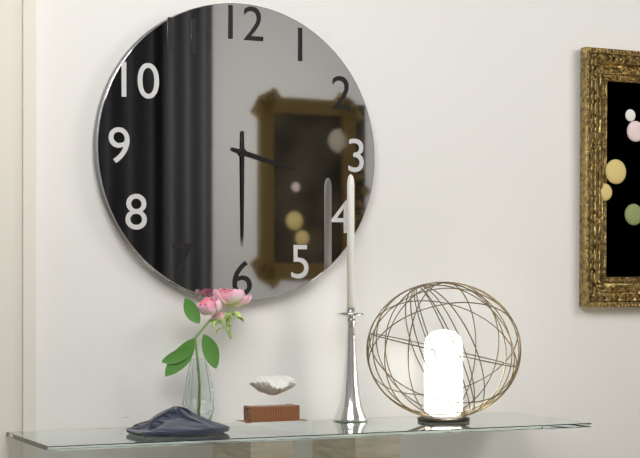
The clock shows **3:30**
